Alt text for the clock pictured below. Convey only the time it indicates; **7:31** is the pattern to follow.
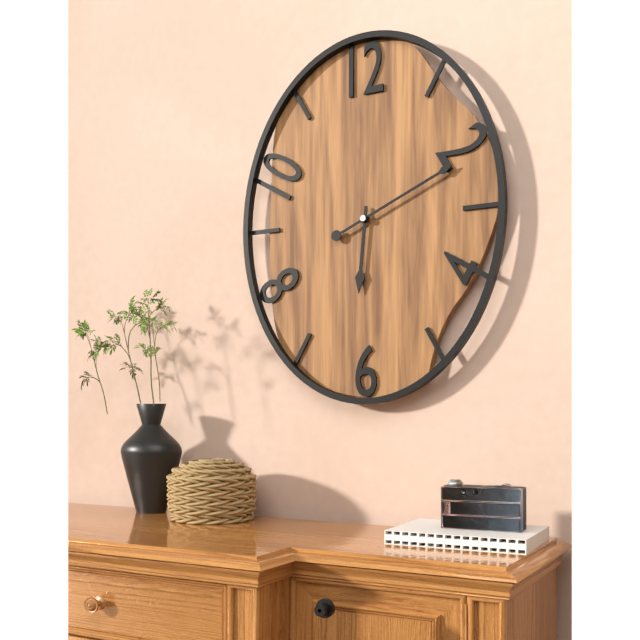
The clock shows **6:11**
